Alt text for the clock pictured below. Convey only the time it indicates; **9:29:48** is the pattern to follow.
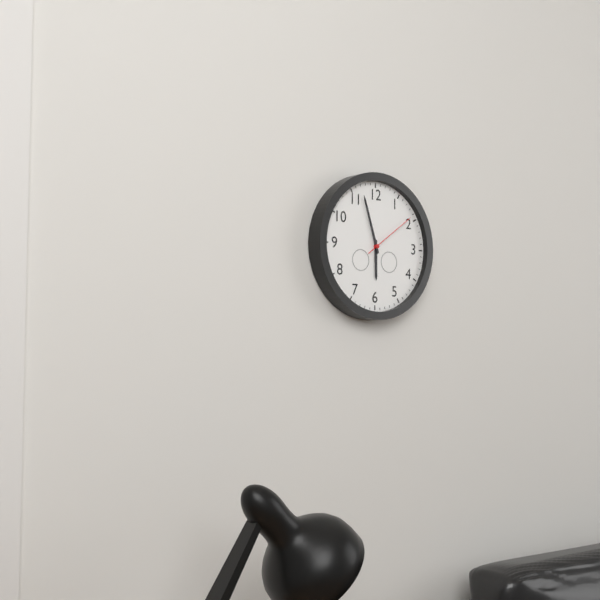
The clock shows **5:57:09**
